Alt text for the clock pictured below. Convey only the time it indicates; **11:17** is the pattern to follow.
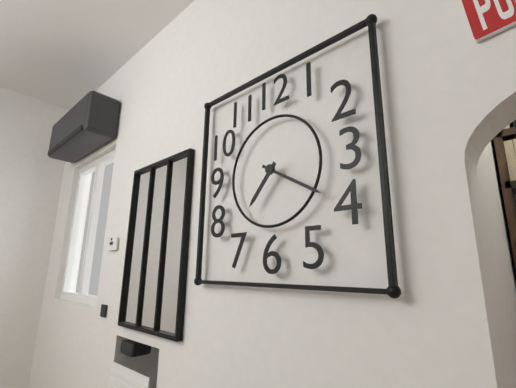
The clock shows **7:20**
